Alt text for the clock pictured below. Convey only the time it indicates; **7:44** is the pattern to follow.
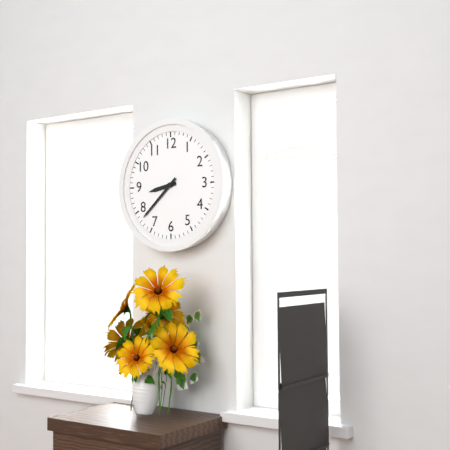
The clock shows **8:38**
